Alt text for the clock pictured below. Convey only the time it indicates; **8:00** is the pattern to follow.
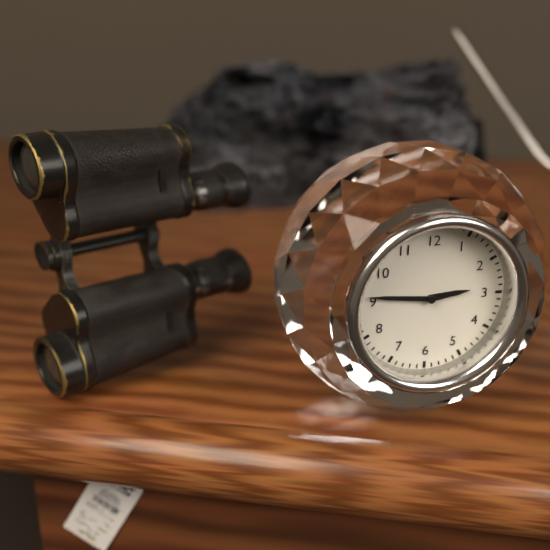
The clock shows **2:46**
